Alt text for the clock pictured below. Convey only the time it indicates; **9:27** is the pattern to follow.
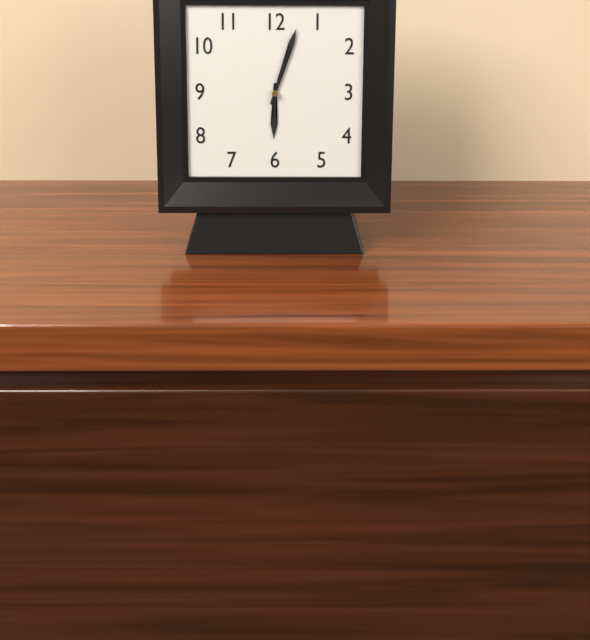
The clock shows **6:03**
